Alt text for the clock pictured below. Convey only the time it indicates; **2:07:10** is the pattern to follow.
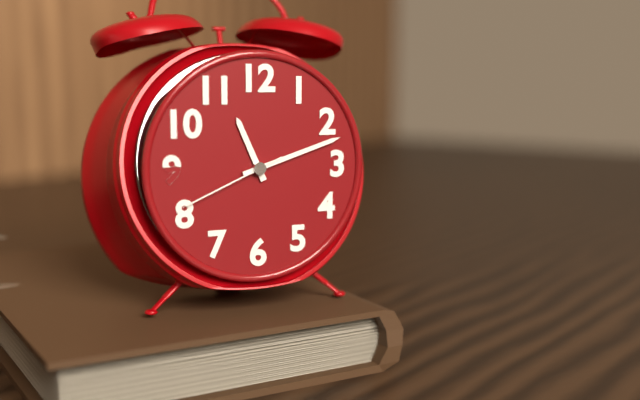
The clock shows **11:12:41**
